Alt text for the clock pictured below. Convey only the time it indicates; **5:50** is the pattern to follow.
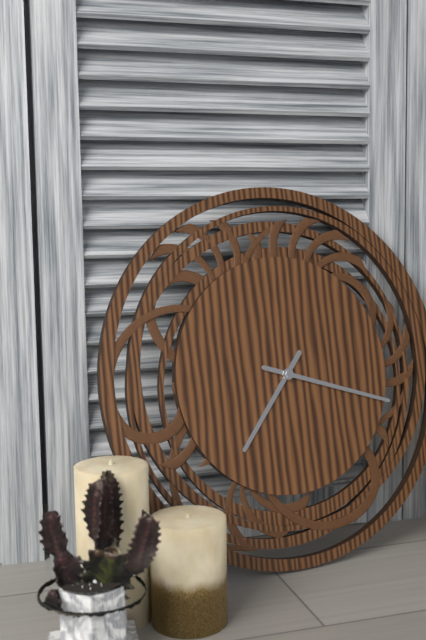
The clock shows **7:18**
